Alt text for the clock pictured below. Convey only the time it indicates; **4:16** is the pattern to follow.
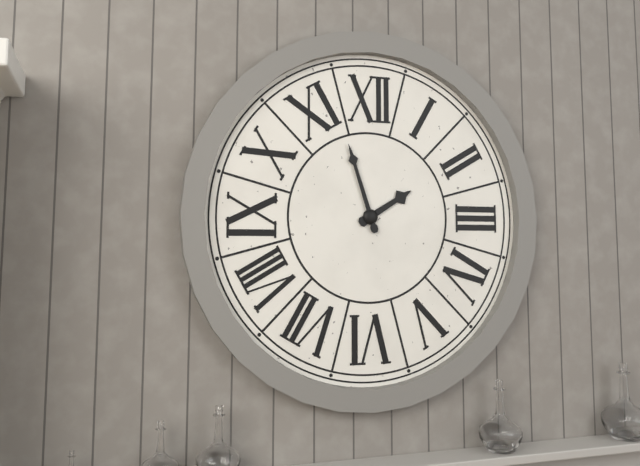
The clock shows **1:57**
